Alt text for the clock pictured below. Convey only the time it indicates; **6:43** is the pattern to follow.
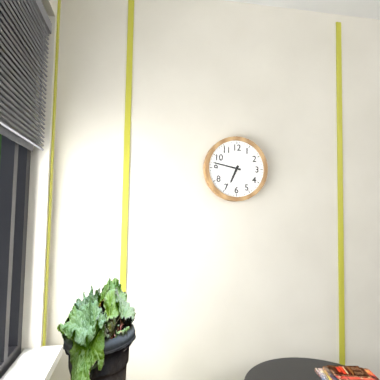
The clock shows **6:47**
